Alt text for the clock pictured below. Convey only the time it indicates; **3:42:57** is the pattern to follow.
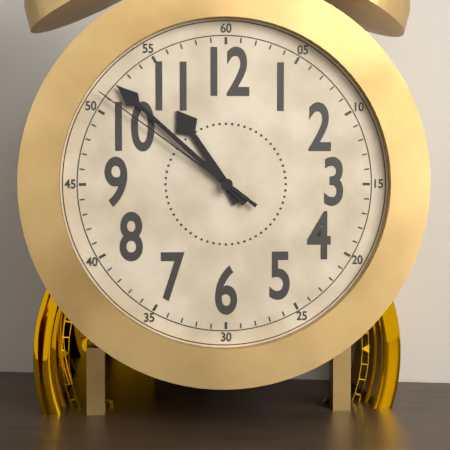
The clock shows **10:52:51**
